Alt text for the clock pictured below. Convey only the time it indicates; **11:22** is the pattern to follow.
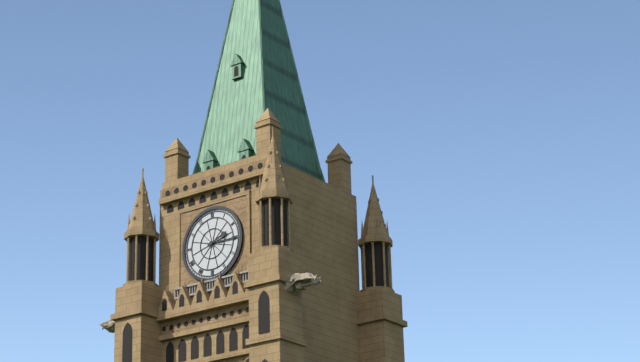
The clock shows **2:15**
